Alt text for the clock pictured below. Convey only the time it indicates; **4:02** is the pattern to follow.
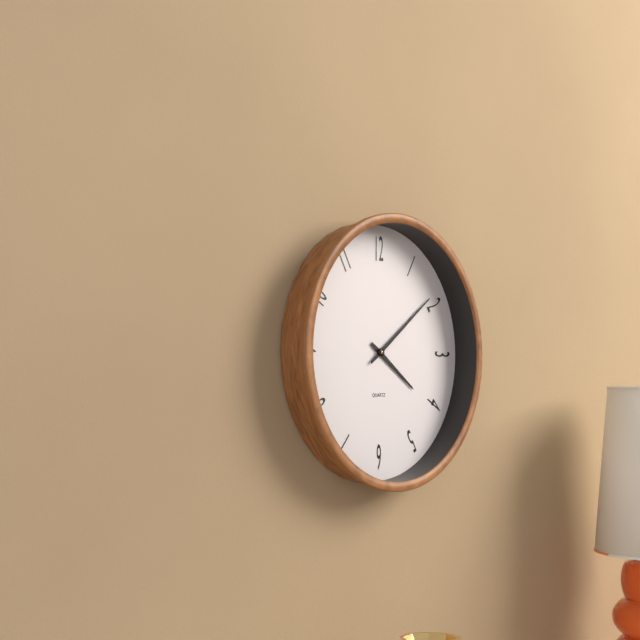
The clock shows **4:09**
